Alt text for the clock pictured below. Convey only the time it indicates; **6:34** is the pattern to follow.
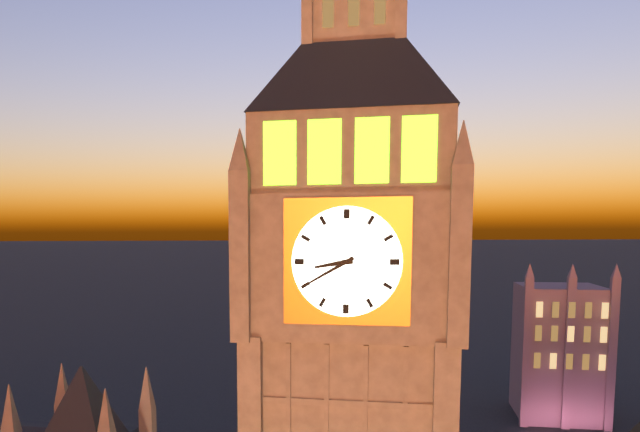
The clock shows **8:40**
